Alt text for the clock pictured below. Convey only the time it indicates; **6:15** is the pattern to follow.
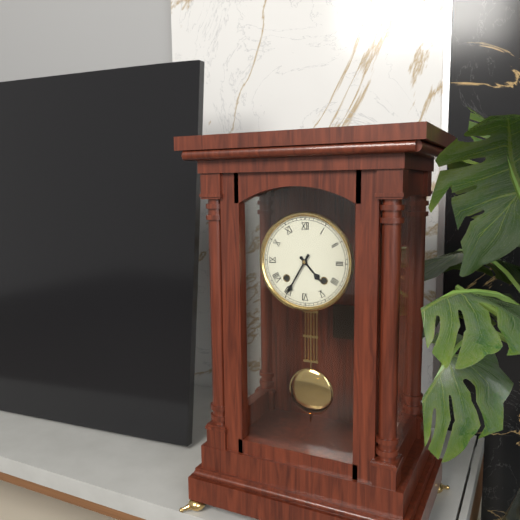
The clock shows **4:35**
